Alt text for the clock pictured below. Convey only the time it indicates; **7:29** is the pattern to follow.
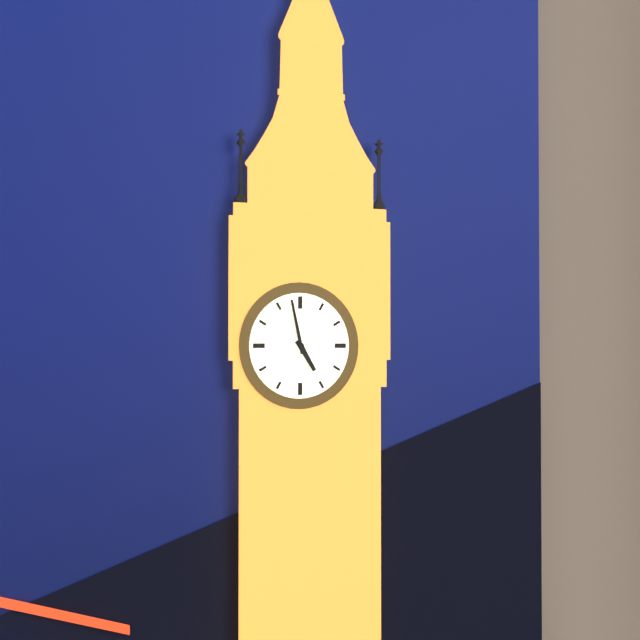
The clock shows **4:58**
